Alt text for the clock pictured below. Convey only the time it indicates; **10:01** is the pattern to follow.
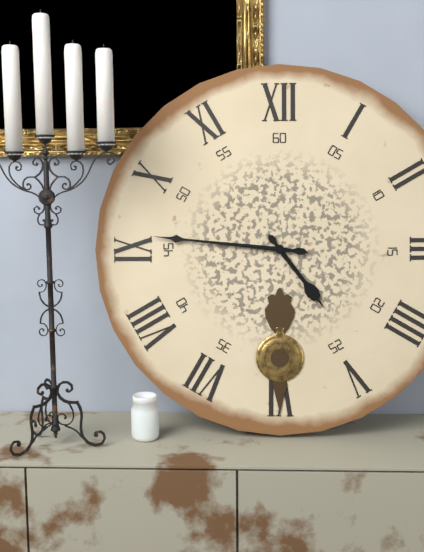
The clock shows **4:46**
